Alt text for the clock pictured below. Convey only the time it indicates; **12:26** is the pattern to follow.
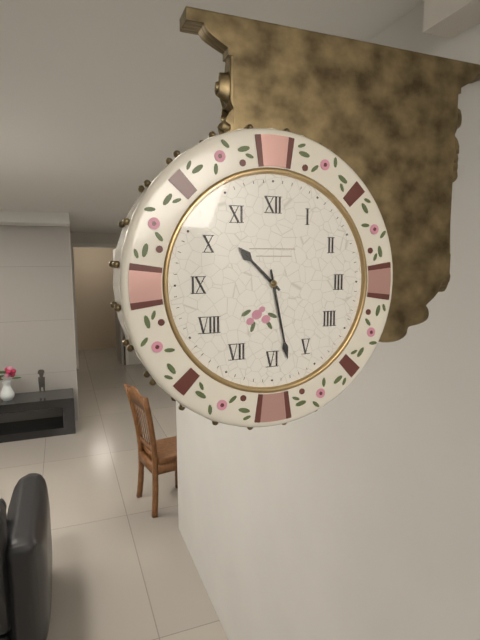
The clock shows **10:28**
